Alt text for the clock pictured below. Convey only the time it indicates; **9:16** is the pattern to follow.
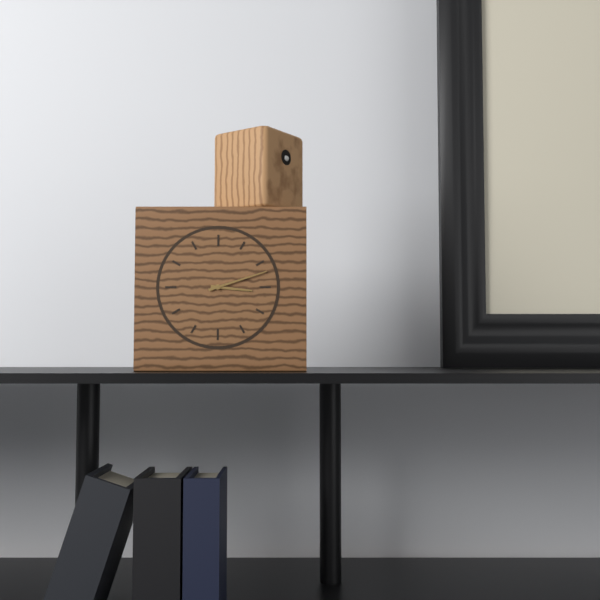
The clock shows **3:12**
